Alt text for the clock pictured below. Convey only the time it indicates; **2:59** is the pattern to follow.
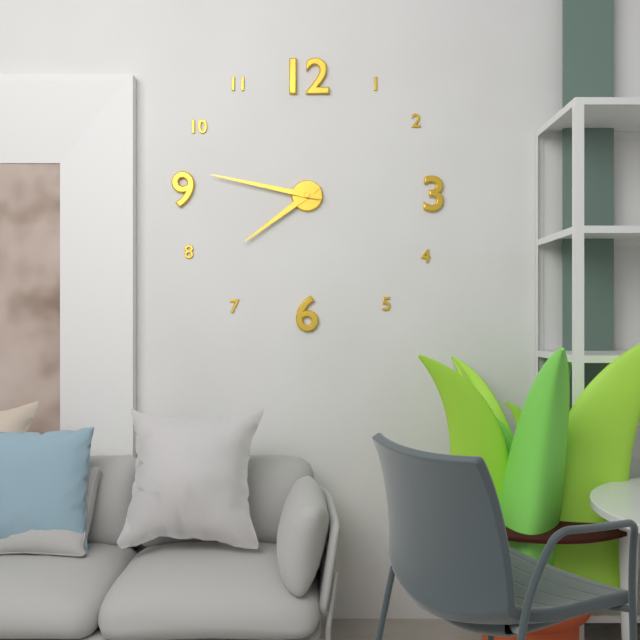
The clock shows **7:47**
